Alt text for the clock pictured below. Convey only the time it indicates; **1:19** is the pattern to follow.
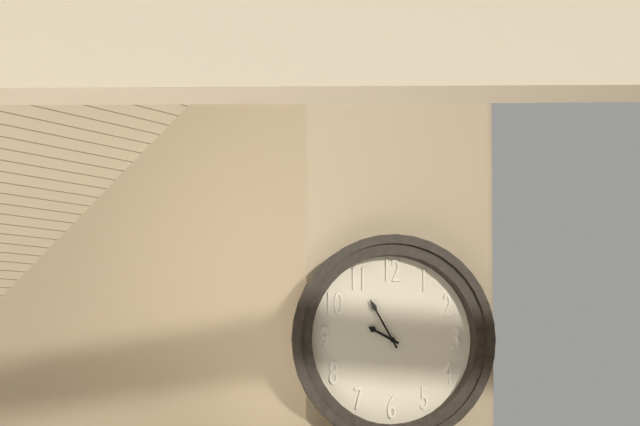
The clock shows **9:55**
